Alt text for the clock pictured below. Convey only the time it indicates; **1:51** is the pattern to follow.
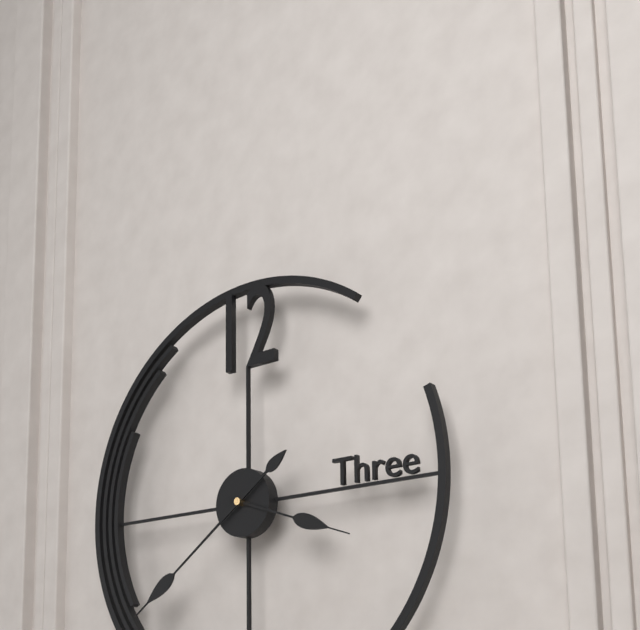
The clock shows **3:39**
